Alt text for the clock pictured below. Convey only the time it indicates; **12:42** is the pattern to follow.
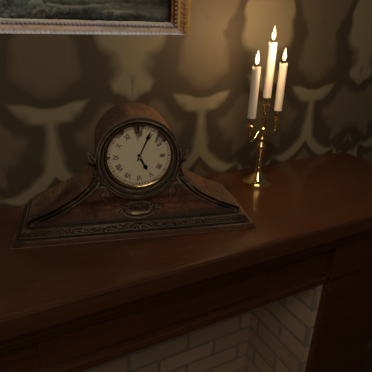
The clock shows **5:04**
